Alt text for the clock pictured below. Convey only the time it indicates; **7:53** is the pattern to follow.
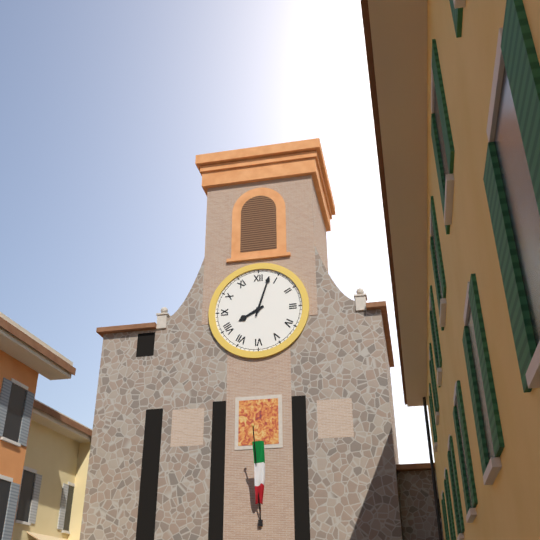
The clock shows **8:03**
